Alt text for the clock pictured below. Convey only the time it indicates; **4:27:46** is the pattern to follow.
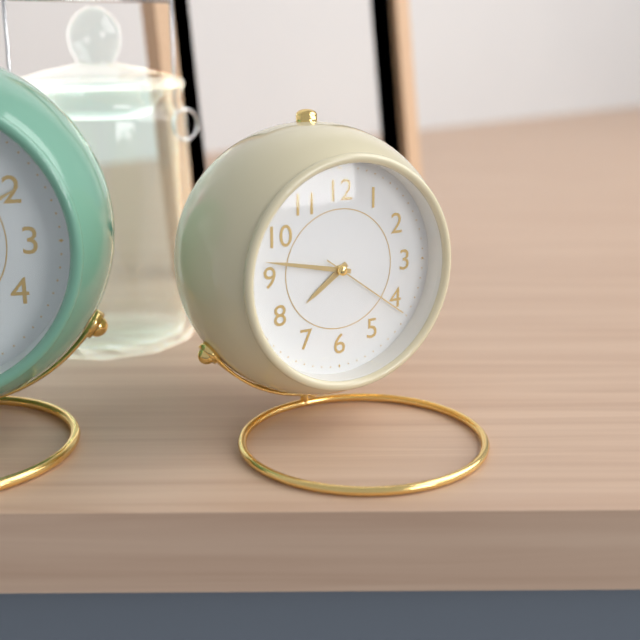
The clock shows **7:47:21**
